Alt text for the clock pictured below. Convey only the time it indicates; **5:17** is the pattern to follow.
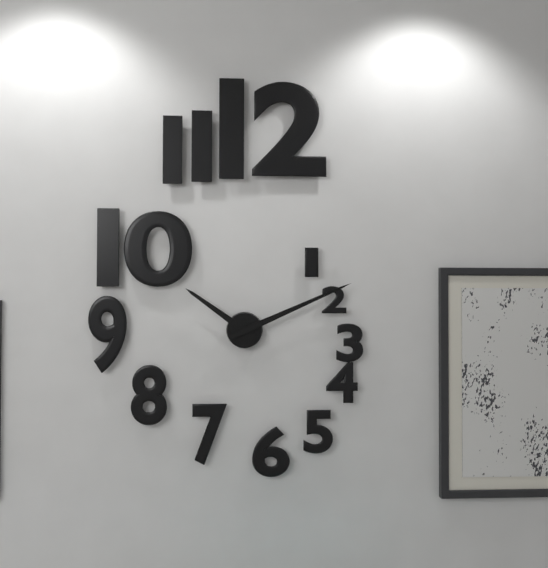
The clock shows **10:11**
